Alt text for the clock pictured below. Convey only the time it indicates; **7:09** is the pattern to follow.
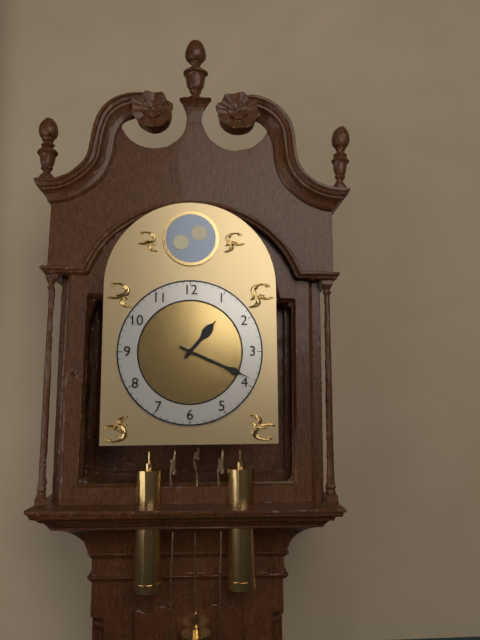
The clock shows **1:19**
